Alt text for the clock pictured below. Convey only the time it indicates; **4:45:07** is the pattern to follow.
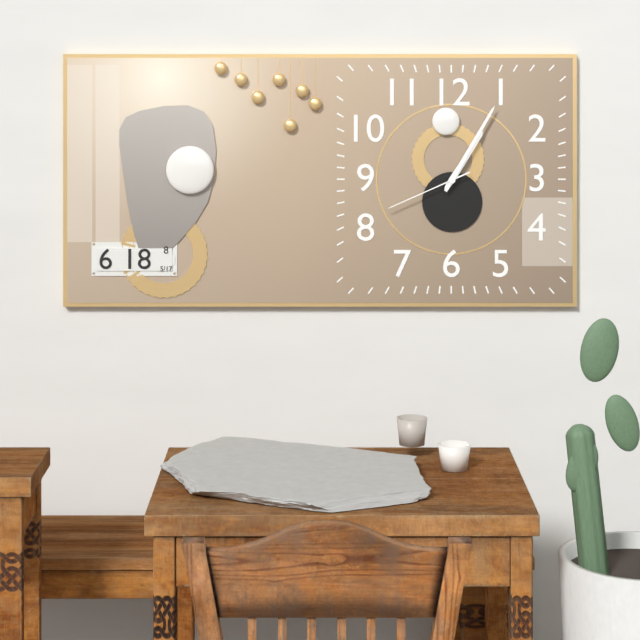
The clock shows **1:05:41**
